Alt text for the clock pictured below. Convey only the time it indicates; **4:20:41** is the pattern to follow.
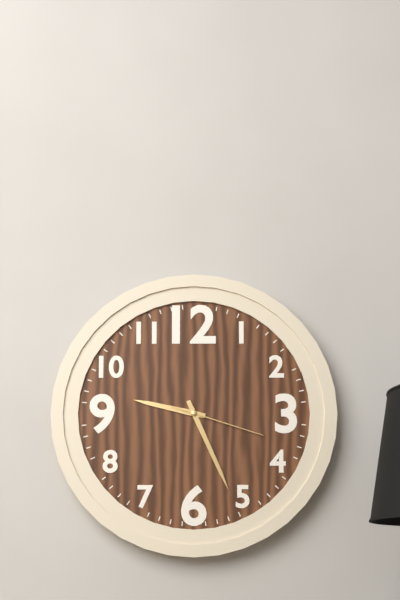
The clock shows **9:26:18**
